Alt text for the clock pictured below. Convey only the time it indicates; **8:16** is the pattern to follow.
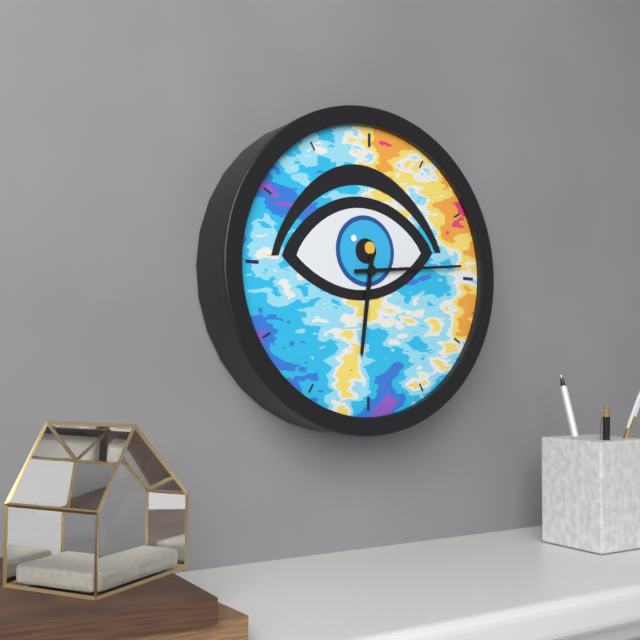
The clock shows **6:14**
